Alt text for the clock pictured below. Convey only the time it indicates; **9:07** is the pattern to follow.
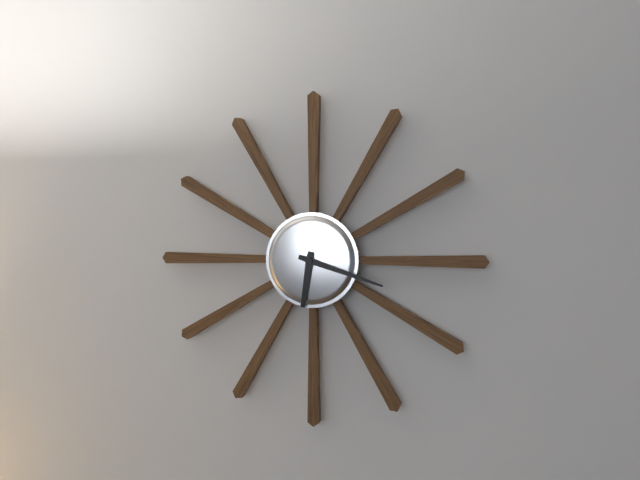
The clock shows **6:18**
